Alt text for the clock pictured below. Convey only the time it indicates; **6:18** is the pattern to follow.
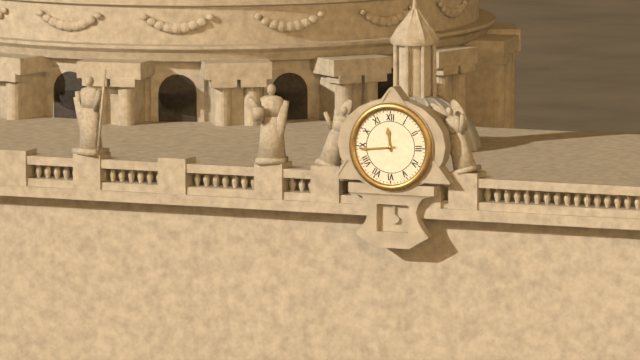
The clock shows **11:44**
